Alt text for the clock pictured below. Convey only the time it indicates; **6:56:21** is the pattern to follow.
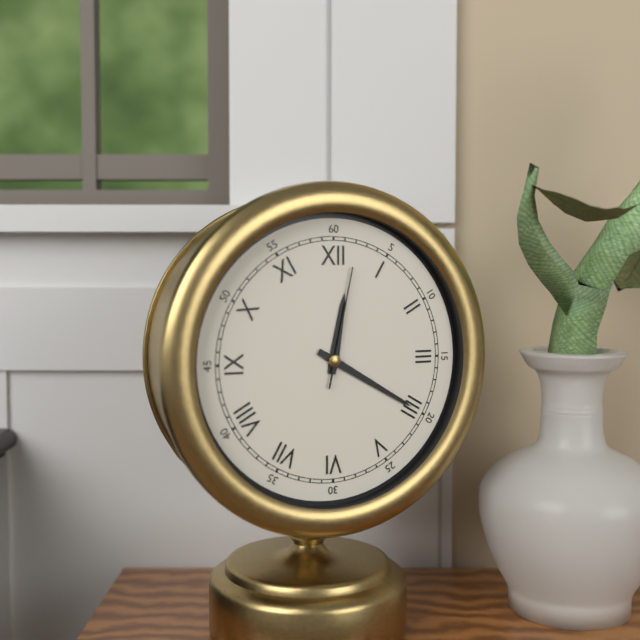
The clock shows **12:20:02**
